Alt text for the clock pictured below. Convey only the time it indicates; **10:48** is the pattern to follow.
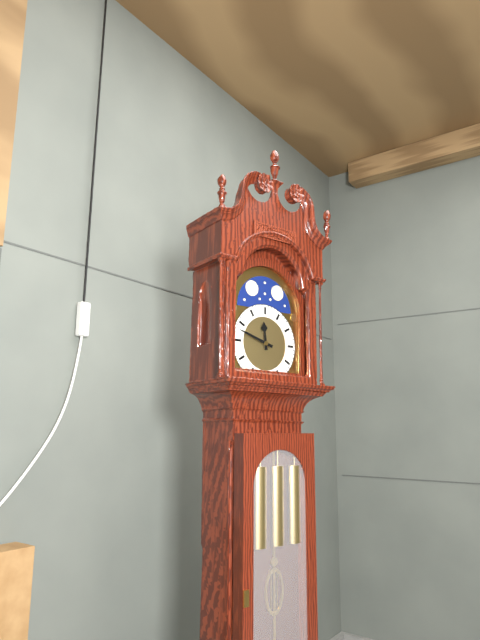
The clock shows **11:48**
